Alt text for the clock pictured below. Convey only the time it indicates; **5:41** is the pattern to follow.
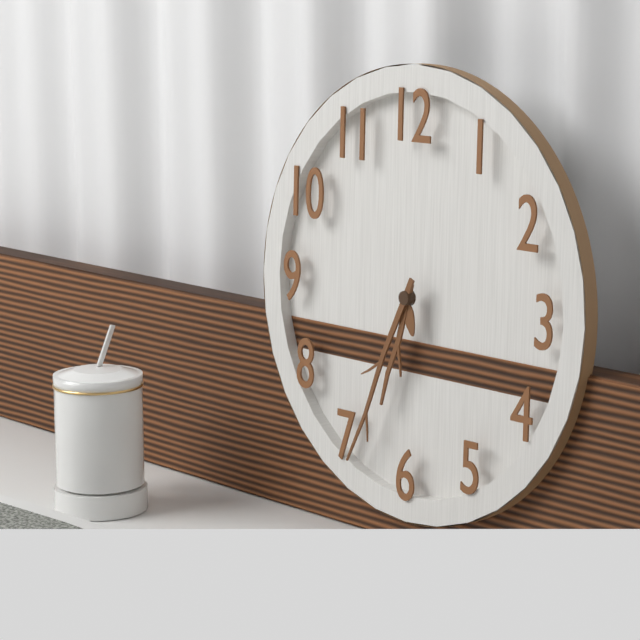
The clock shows **6:34**
